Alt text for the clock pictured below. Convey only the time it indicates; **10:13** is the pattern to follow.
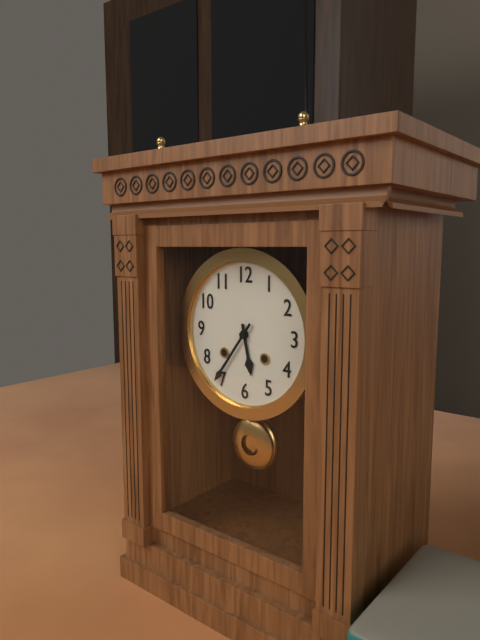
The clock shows **5:36**
